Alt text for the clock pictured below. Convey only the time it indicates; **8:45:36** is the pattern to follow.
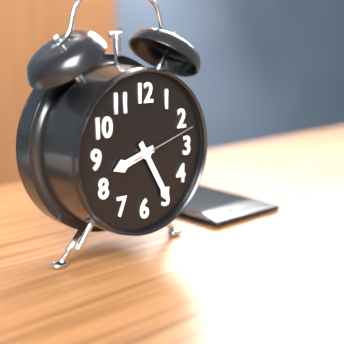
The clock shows **8:25:12**
